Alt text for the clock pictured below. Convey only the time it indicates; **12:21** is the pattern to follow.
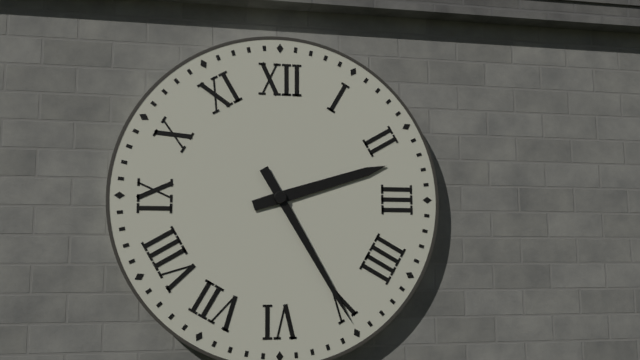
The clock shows **2:25**
